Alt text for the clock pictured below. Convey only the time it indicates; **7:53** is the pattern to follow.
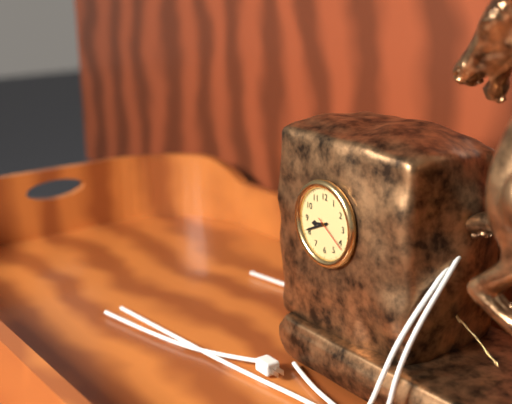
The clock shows **8:41**
